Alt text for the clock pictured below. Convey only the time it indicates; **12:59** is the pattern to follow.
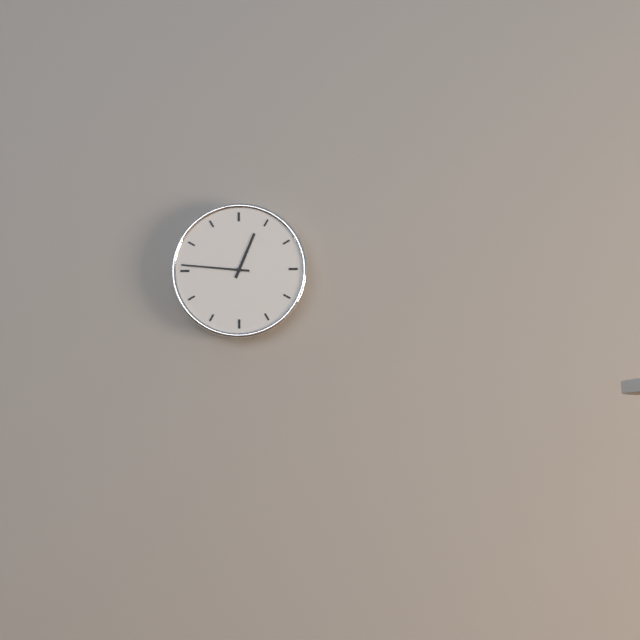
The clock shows **12:46**
